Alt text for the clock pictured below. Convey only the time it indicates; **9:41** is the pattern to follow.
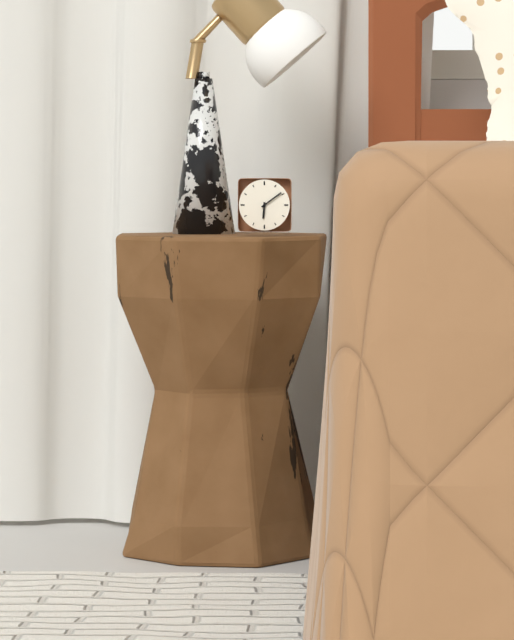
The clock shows **6:09**
